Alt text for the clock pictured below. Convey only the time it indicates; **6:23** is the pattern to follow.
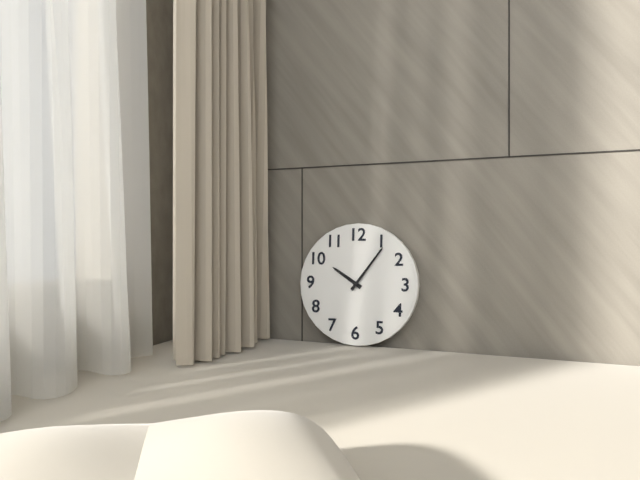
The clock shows **10:06**
